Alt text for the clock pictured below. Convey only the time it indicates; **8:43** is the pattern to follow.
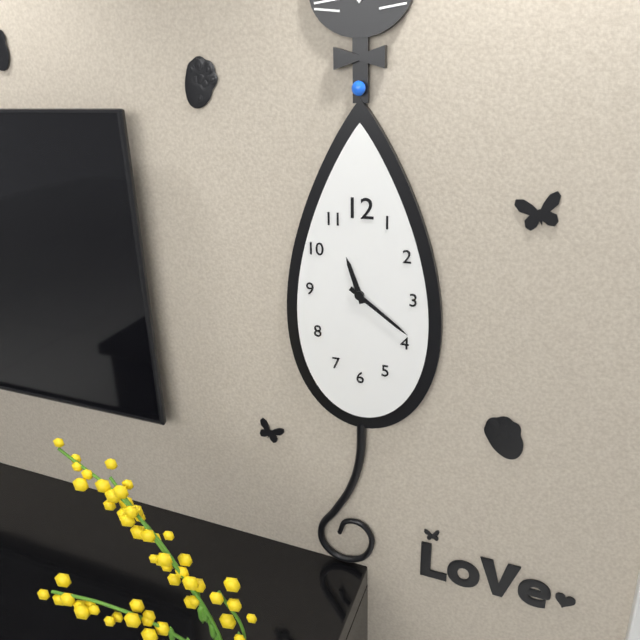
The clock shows **11:21**
